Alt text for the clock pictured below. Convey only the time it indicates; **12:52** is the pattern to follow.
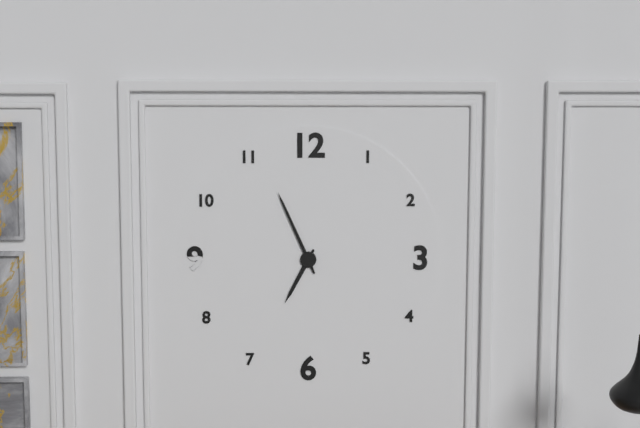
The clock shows **6:56**
